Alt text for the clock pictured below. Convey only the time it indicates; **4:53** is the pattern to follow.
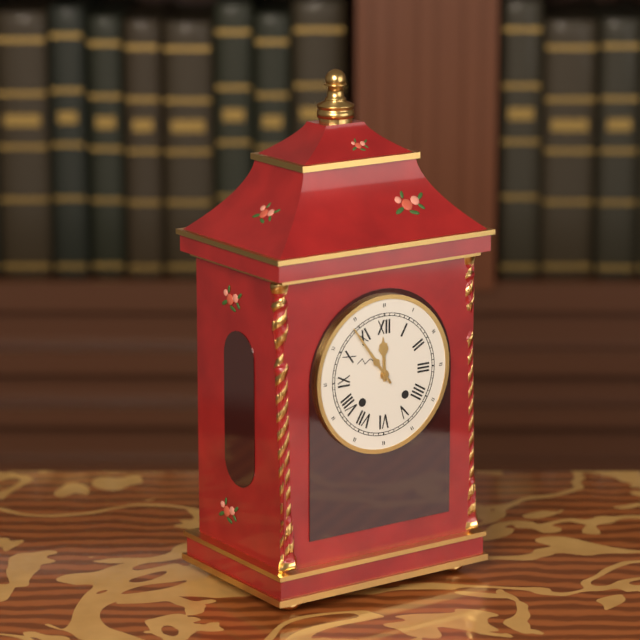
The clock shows **11:54**
